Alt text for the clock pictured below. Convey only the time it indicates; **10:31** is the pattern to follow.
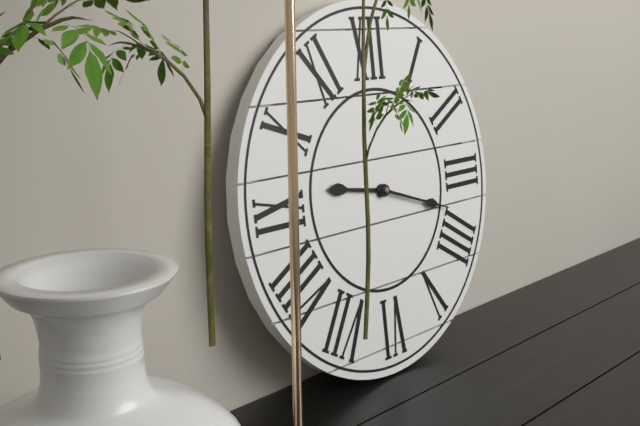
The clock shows **9:18**
